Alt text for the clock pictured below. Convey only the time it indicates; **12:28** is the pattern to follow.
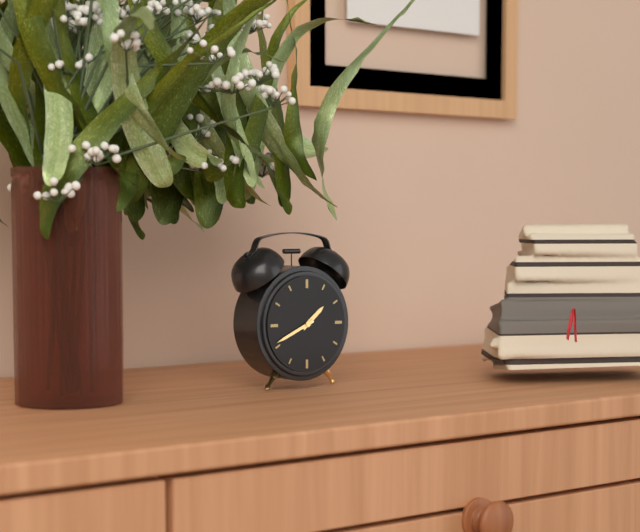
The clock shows **1:41**
